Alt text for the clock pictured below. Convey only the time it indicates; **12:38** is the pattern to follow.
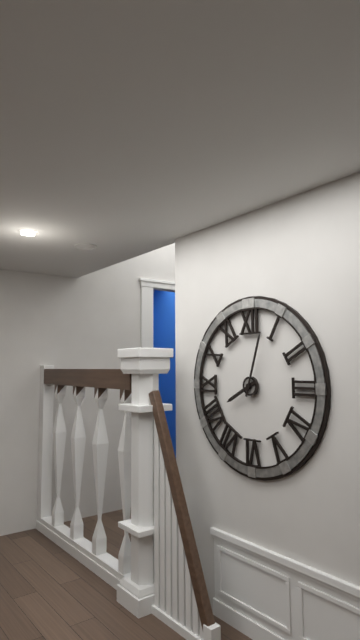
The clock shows **8:03**
